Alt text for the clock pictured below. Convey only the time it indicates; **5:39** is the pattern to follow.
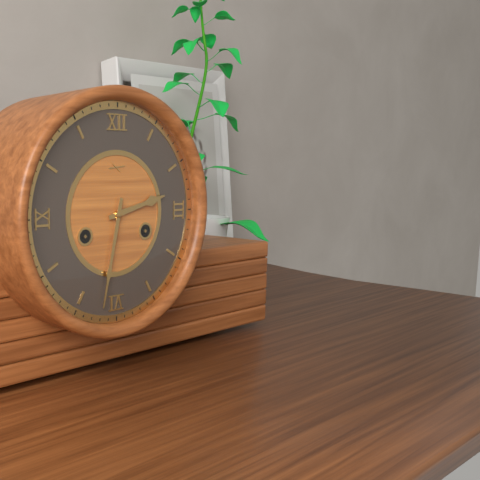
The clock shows **2:32**
